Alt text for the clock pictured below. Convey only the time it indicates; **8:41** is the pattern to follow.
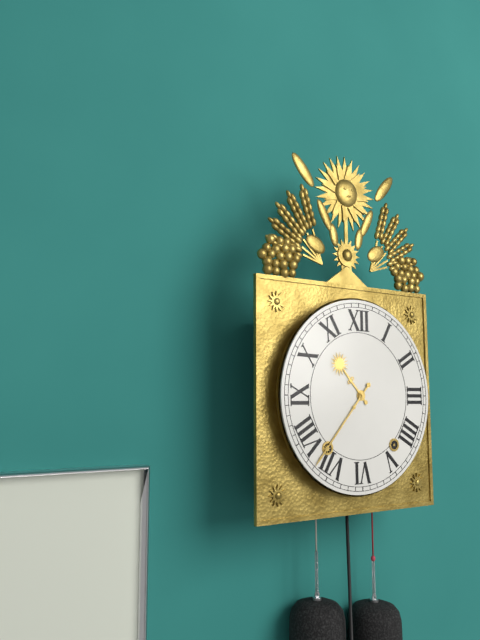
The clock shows **10:37**
